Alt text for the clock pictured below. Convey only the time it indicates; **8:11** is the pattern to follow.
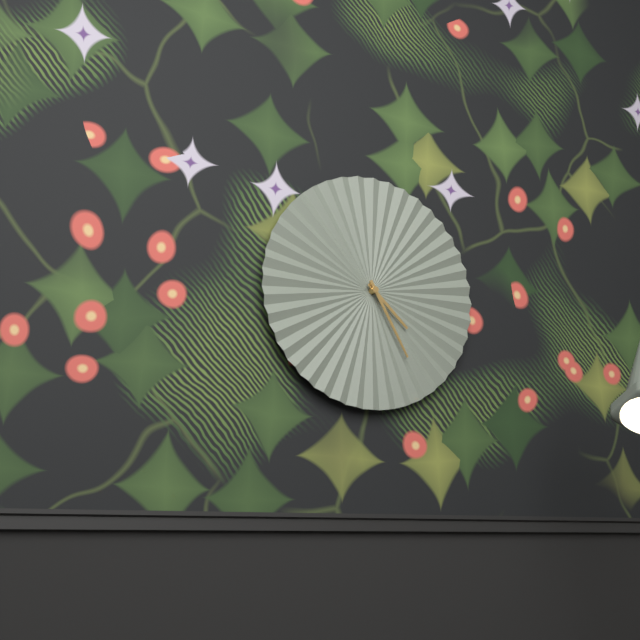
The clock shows **4:25**
